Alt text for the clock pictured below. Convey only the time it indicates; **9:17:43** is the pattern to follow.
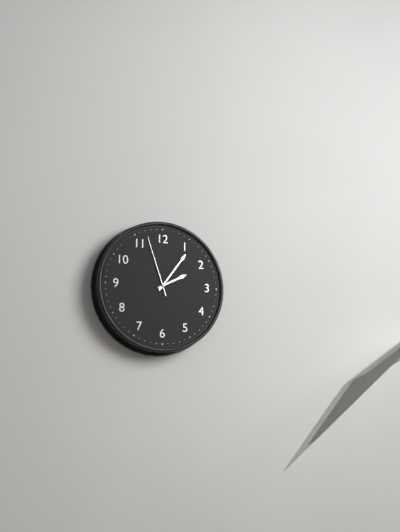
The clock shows **2:06:57**
